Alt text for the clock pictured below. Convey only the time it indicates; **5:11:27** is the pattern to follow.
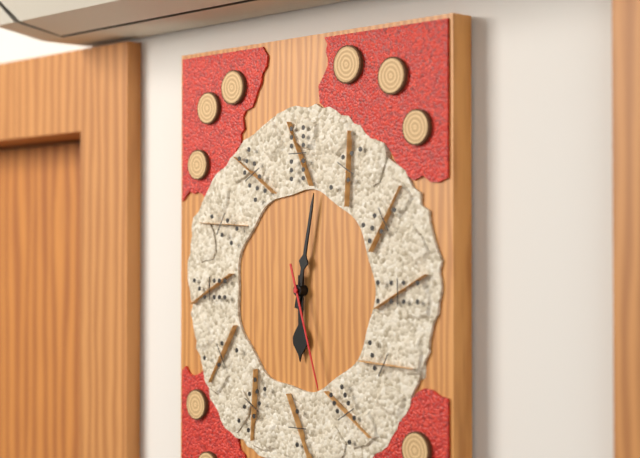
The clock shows **6:02:27**
